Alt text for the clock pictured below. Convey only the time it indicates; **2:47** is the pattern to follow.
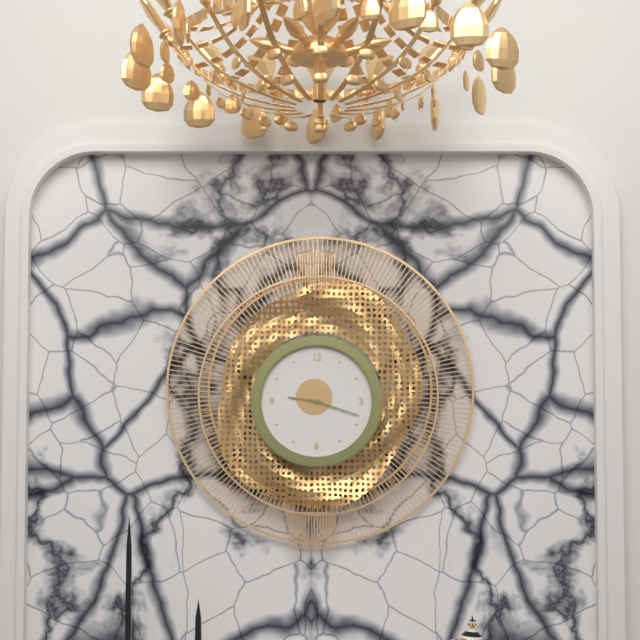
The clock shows **9:18**
